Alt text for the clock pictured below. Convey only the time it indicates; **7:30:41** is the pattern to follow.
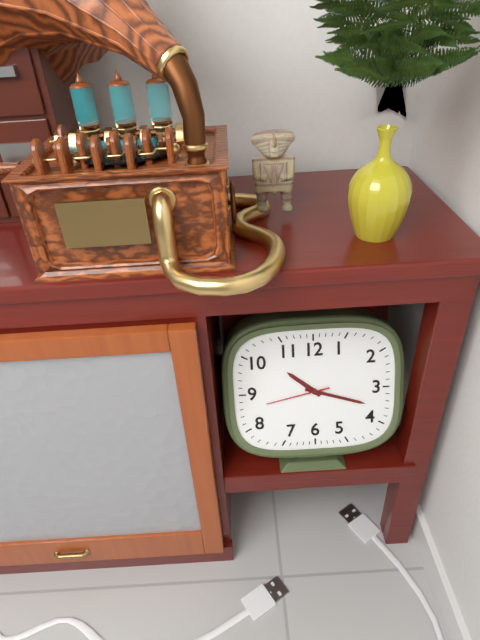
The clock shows **10:18:43**
